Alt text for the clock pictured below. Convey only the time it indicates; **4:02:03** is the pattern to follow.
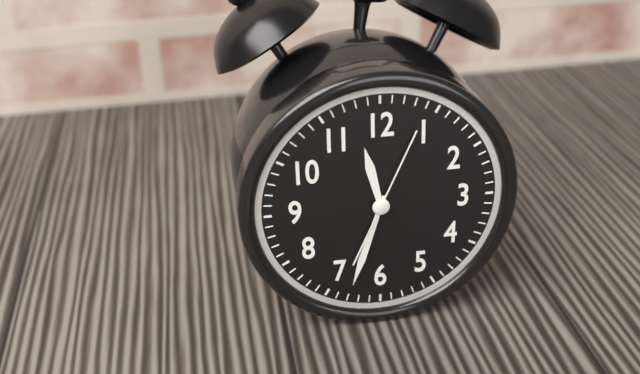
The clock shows **11:33:04**
